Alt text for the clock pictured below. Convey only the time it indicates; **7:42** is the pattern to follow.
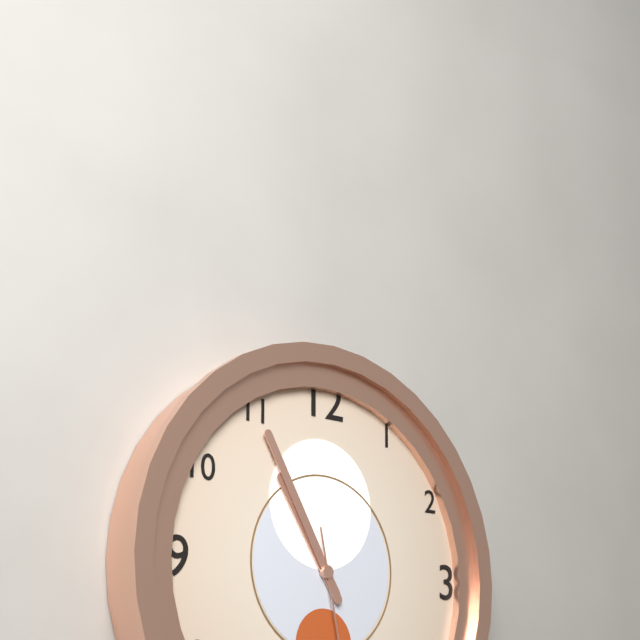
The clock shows **10:55**
